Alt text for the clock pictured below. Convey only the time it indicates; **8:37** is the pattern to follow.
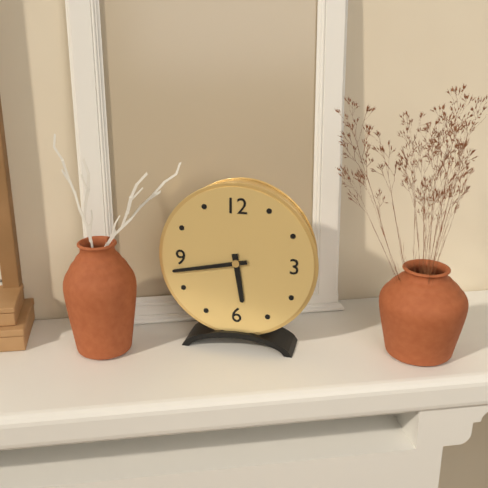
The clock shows **5:43**
